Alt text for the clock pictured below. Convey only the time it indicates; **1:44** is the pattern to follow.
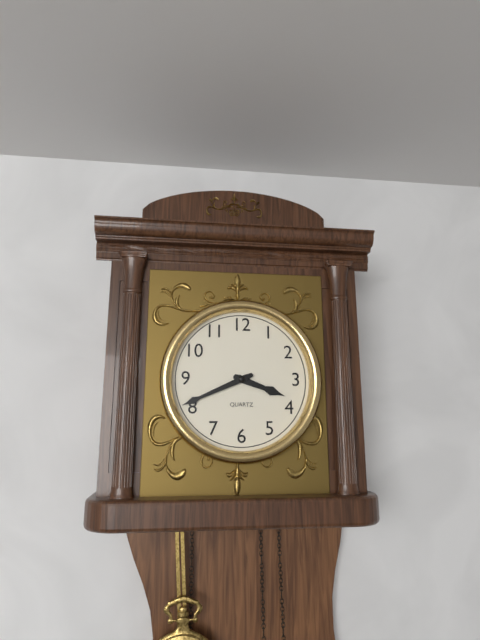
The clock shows **3:41**
